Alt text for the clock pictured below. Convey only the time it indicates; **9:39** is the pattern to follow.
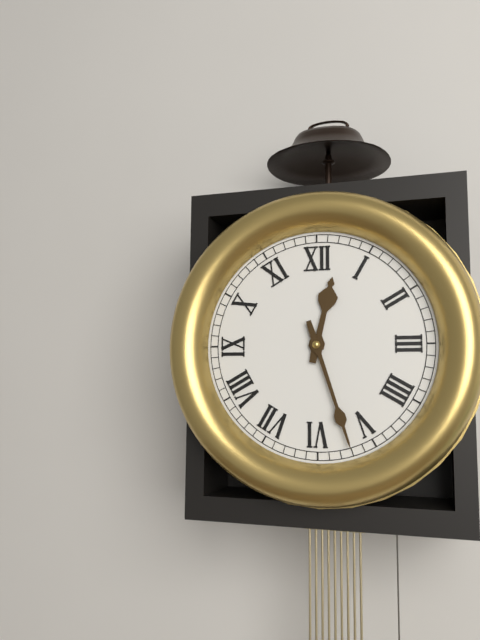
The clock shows **12:27**
